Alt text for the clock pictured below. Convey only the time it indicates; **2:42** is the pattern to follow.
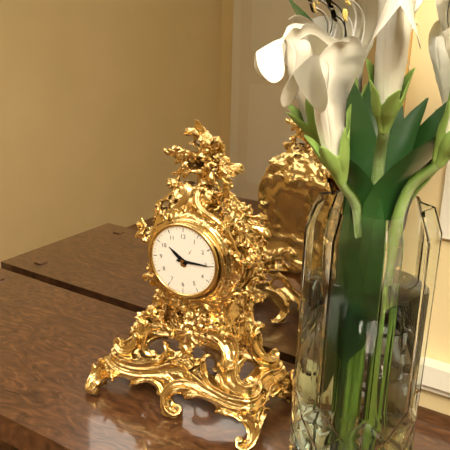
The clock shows **10:15**
